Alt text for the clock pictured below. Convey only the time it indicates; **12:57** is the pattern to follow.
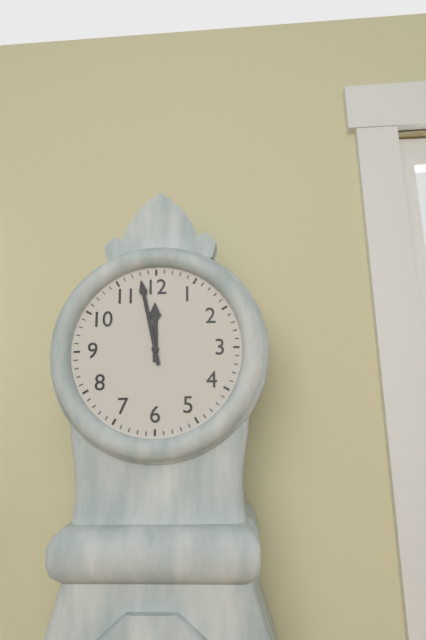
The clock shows **11:58**
